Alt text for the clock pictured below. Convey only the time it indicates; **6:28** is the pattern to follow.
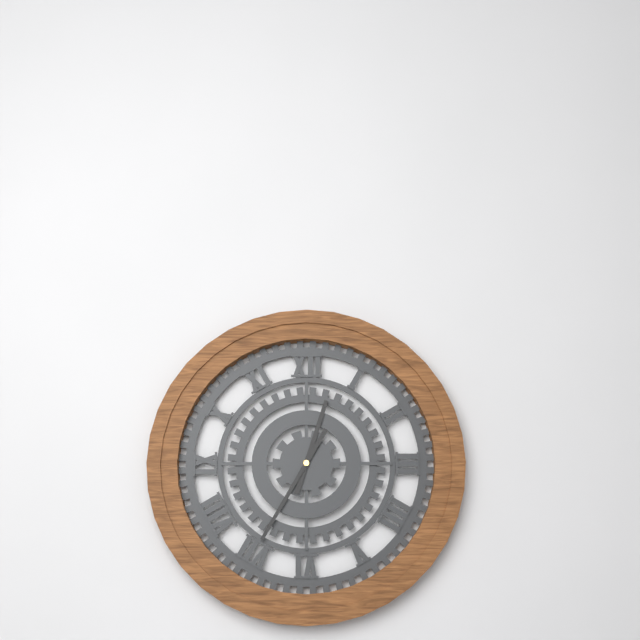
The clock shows **12:35**
